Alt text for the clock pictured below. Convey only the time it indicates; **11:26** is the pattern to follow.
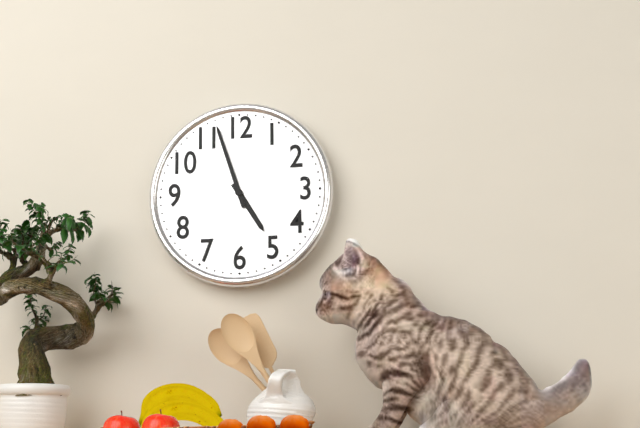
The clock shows **4:57**
